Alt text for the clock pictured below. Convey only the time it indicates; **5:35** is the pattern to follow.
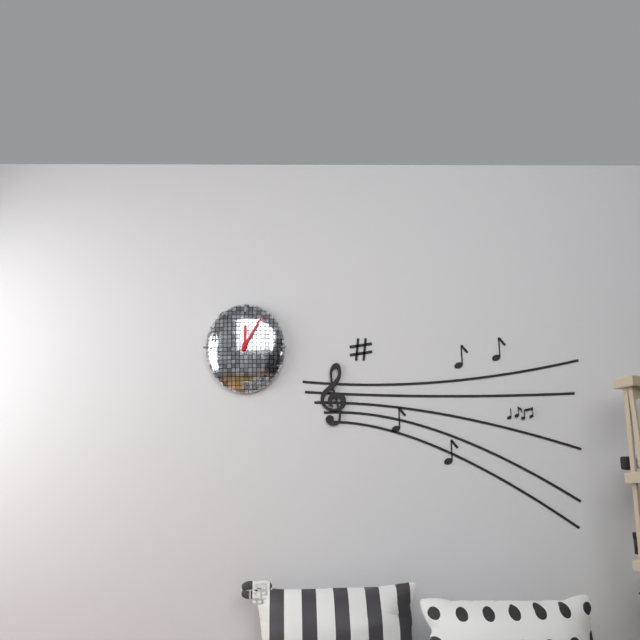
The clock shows **12:05**
